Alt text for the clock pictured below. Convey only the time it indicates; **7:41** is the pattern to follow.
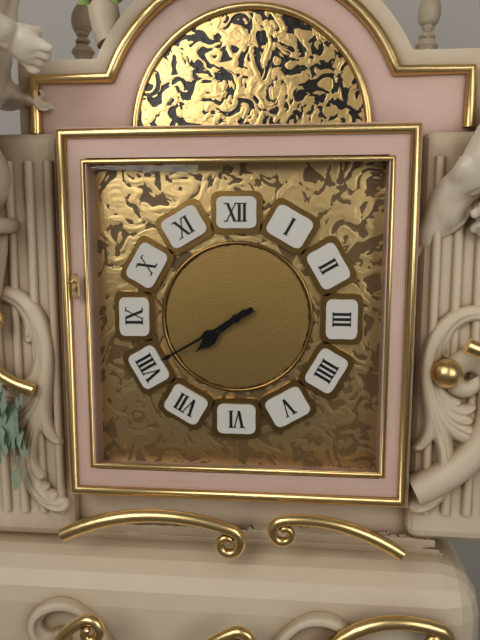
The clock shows **7:40**
